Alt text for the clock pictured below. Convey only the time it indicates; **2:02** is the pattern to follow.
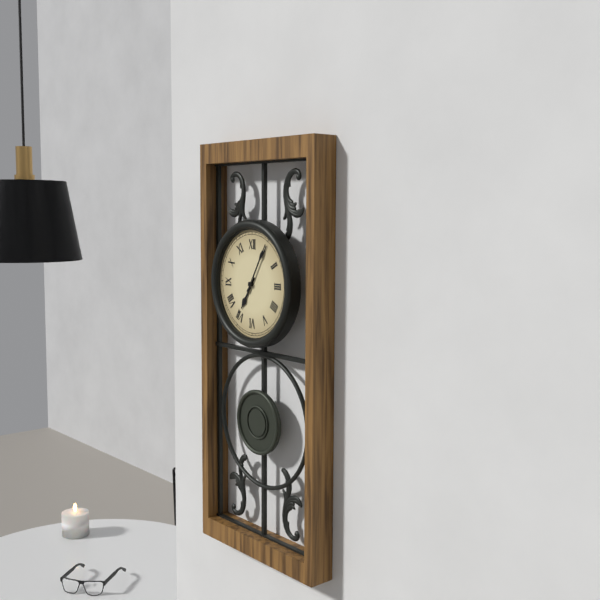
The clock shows **7:05**
